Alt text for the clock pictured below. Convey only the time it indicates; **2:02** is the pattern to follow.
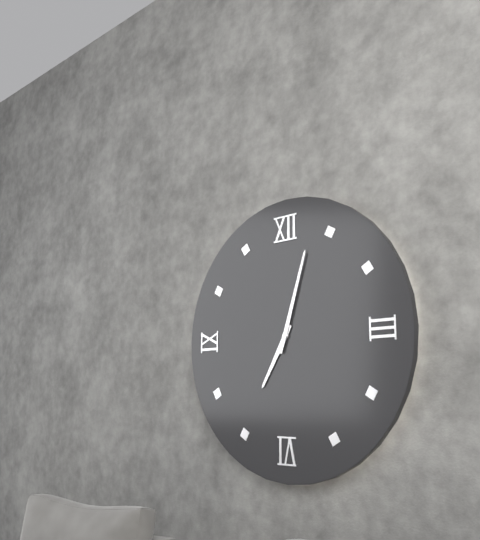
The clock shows **7:03**
